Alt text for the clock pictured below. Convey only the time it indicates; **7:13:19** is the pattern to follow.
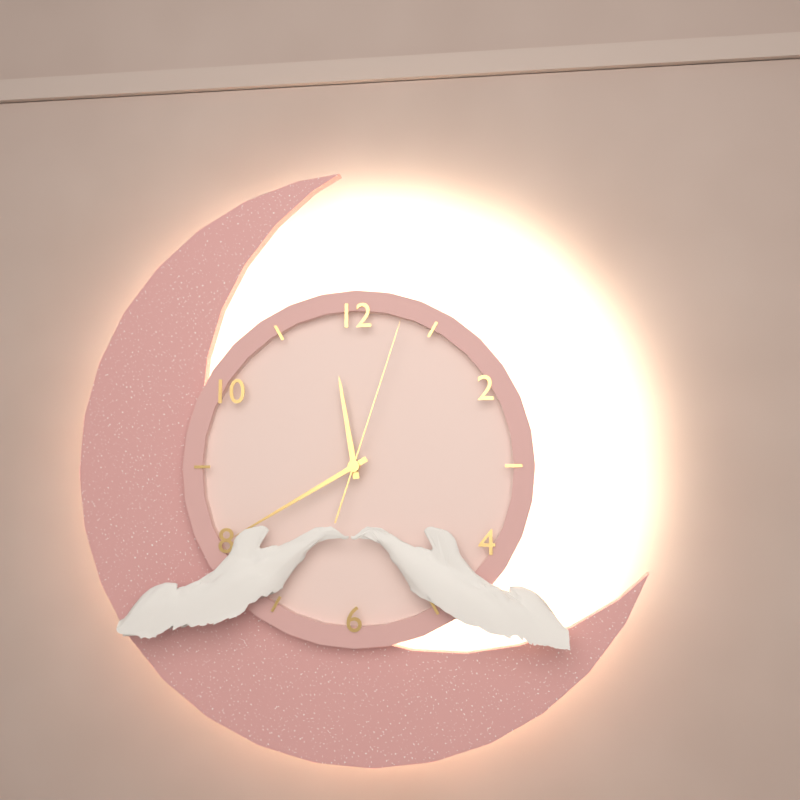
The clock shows **11:40:03**
